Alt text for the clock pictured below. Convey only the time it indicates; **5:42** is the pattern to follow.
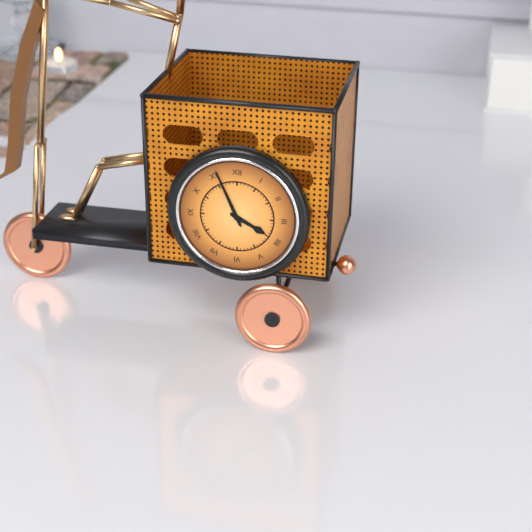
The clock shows **3:56**
